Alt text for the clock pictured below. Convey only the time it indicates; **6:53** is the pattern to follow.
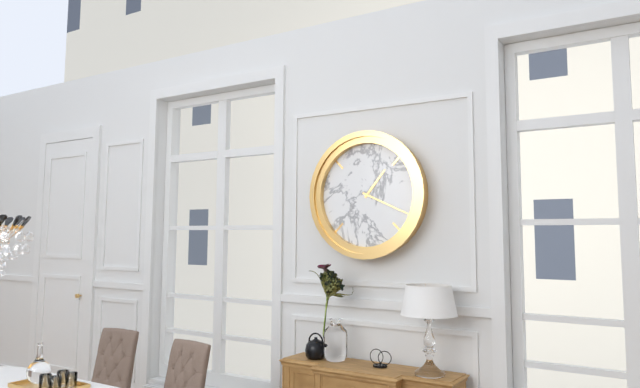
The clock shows **1:19**
